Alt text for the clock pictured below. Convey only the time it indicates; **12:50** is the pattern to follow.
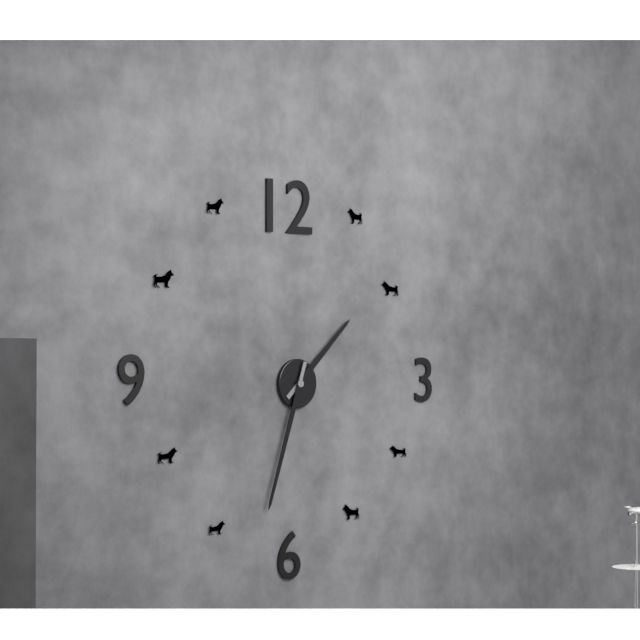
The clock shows **1:33**
